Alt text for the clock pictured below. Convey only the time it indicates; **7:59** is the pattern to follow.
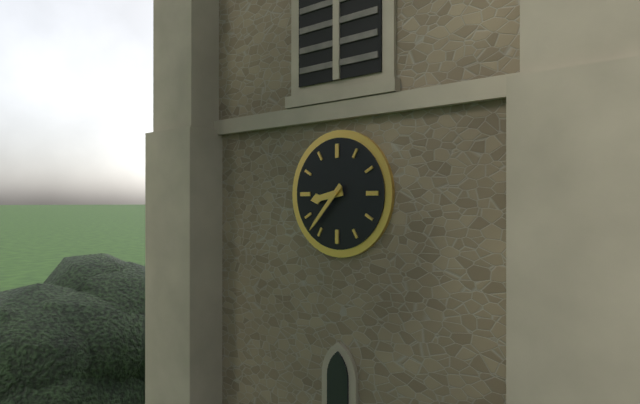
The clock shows **8:37**
